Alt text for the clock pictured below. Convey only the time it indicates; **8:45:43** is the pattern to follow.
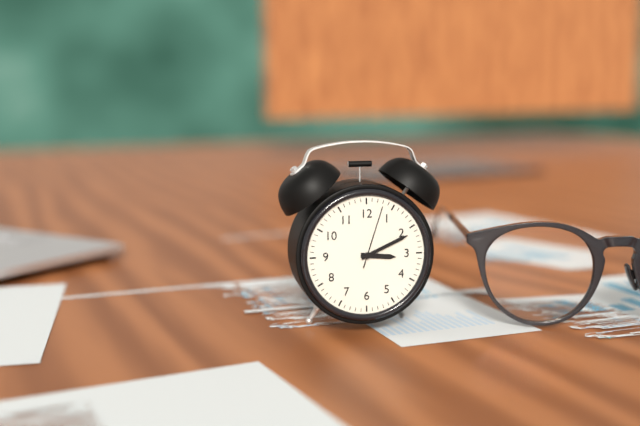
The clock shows **3:11:03**
